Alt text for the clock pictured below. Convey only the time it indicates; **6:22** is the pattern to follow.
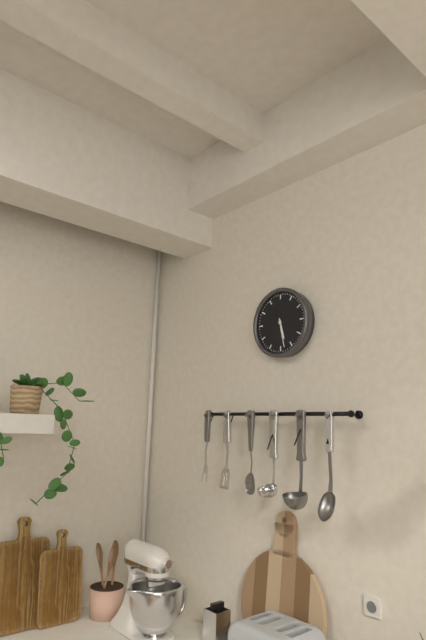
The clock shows **5:28**
